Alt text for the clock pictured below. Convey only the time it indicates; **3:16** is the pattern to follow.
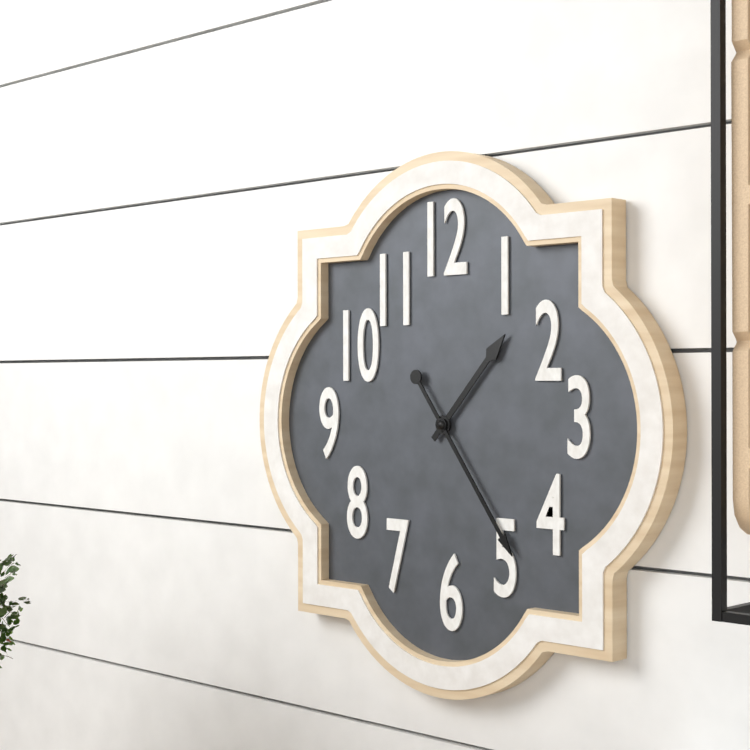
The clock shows **1:24**
